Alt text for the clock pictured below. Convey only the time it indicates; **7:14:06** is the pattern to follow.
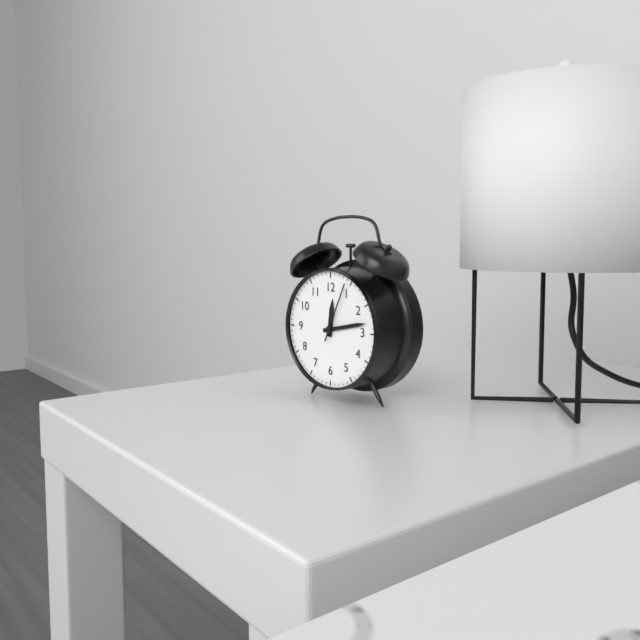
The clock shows **12:13:04**
